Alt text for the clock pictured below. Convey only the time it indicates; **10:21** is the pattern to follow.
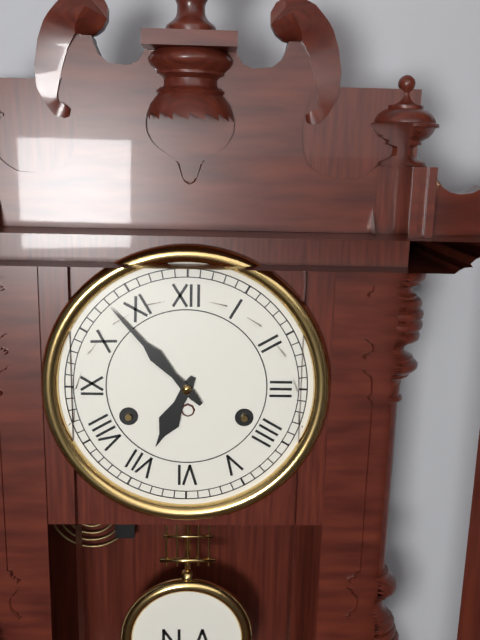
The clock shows **6:53**
